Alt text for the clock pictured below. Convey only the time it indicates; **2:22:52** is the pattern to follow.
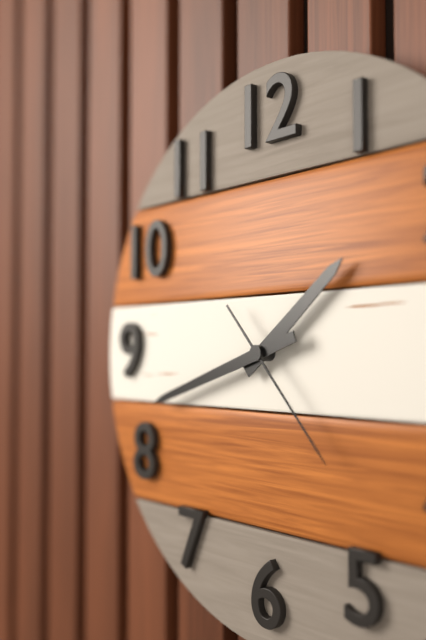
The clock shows **1:42:23**
